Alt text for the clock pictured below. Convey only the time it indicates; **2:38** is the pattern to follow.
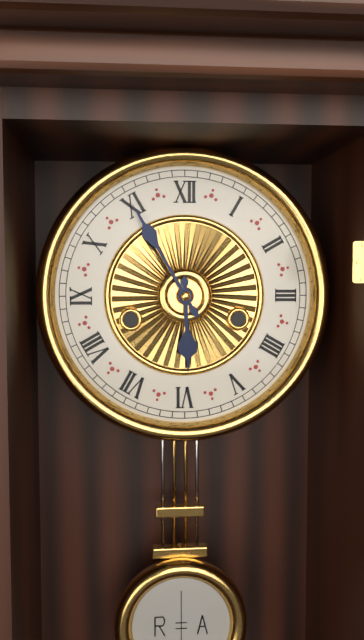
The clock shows **5:55**
